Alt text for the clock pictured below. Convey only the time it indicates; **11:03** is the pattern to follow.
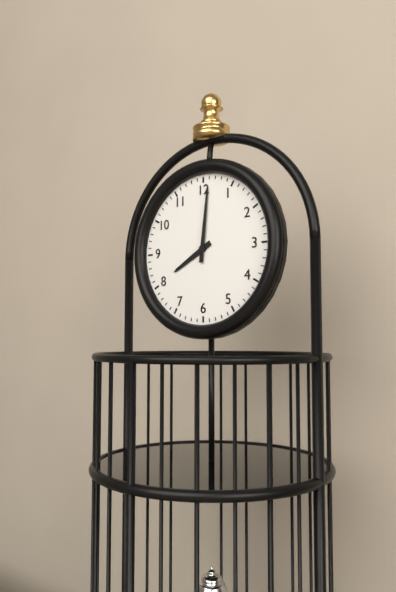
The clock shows **8:01**
